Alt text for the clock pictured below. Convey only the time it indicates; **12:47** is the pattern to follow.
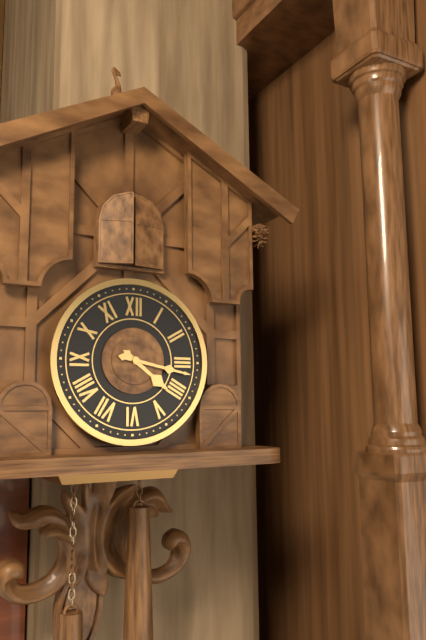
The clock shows **4:17**
